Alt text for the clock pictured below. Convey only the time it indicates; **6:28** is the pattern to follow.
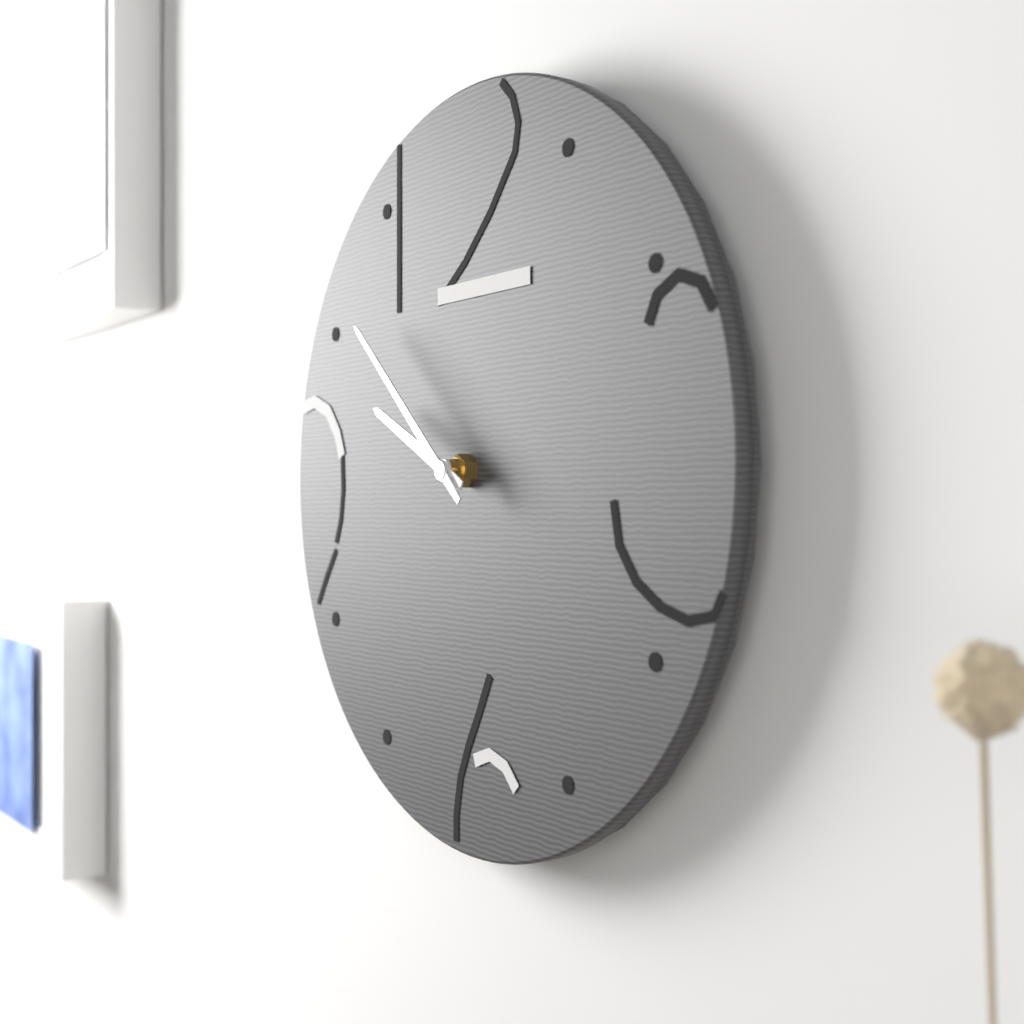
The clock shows **9:52**
